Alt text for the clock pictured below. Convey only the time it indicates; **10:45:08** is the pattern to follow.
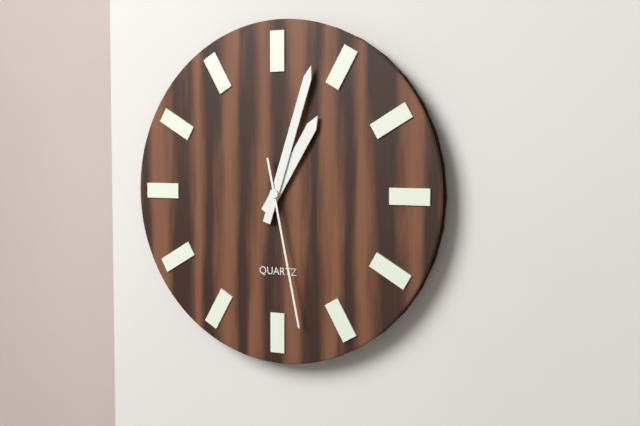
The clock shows **1:03:28**
